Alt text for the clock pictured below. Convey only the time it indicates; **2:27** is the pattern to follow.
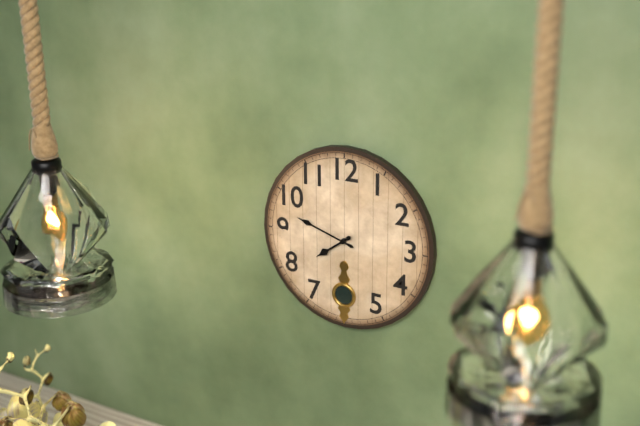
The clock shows **7:48**
